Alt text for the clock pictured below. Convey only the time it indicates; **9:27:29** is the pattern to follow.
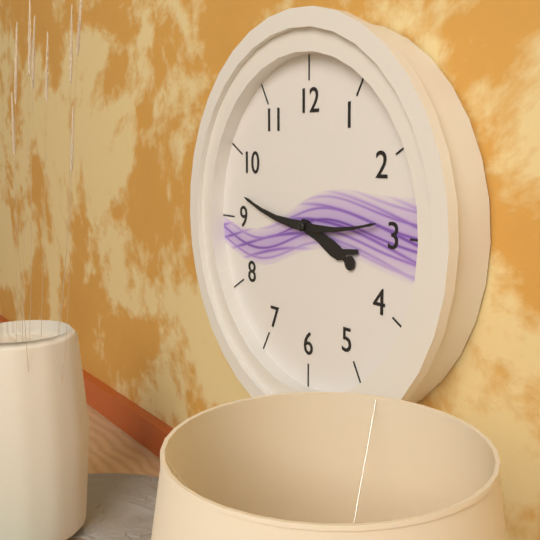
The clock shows **3:47:14**
